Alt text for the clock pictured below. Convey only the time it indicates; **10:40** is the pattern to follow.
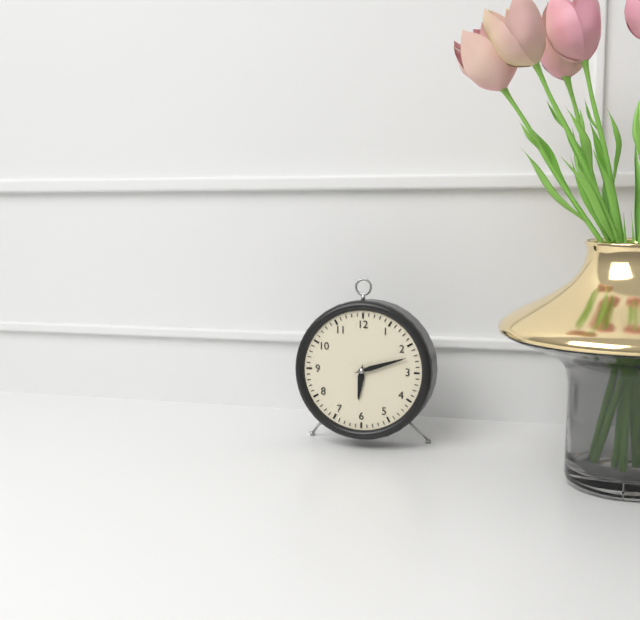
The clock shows **6:12**
